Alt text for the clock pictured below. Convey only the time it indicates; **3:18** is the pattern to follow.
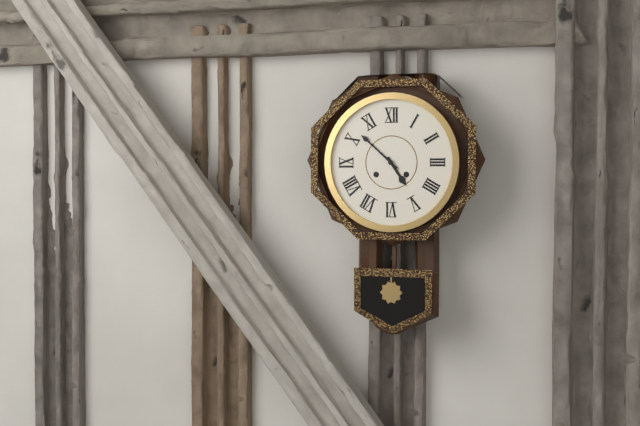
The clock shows **4:52**
